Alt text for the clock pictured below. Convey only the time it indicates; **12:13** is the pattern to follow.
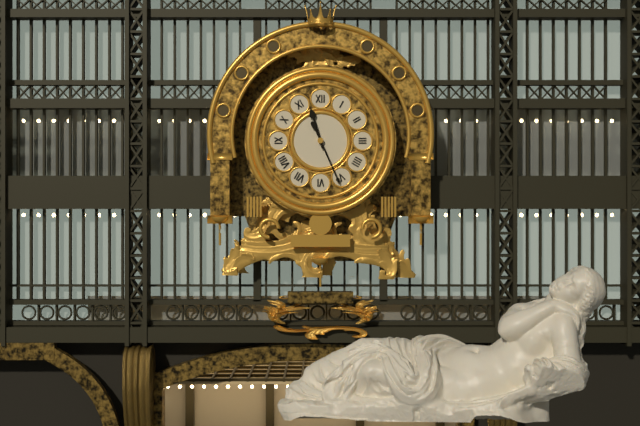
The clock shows **11:26**
